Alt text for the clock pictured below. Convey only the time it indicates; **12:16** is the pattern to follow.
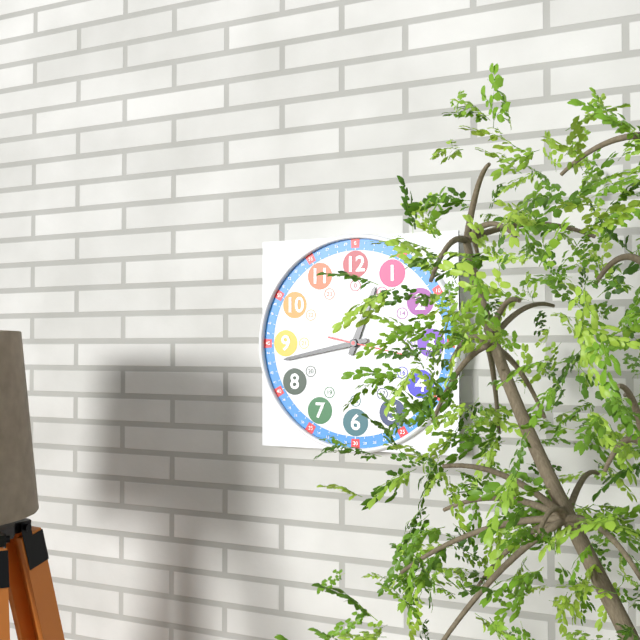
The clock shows **12:43**
